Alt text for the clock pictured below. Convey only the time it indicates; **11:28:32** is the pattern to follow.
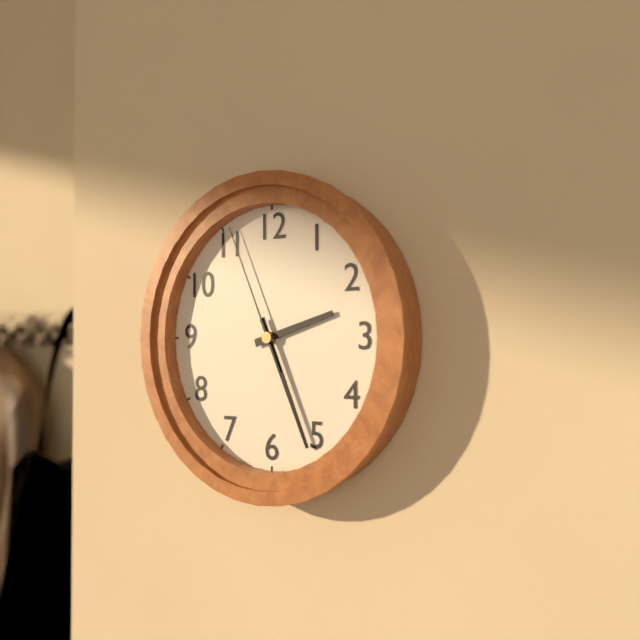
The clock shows **2:26:56**
